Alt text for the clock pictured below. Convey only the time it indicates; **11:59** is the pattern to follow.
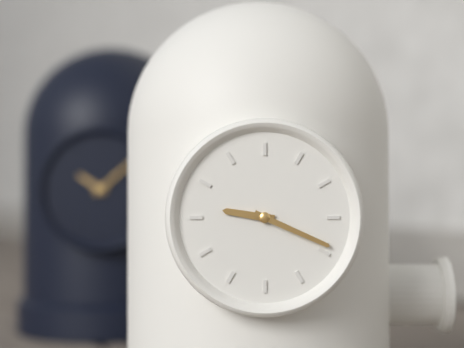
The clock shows **9:19**
